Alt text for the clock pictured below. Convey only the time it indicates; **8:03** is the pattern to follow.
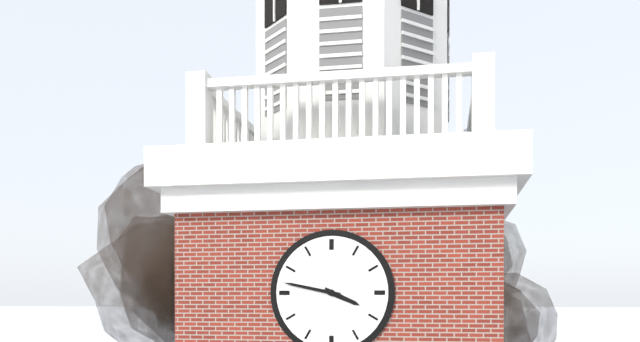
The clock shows **3:47**
